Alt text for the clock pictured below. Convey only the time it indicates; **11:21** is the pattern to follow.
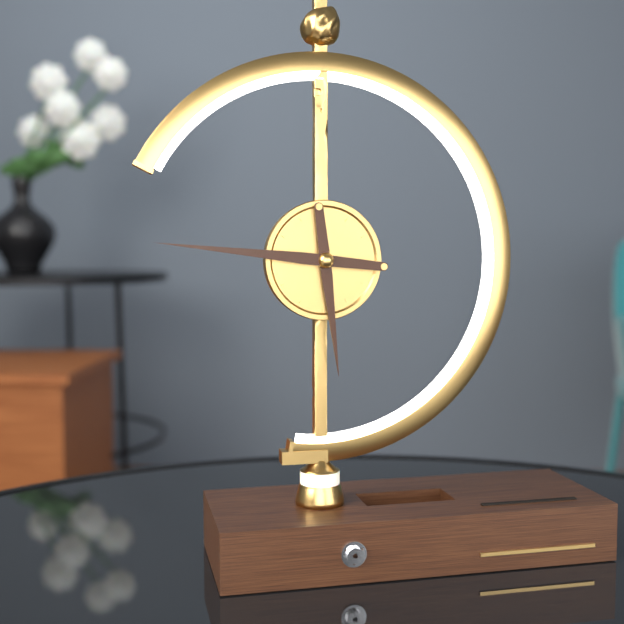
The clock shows **5:46**
